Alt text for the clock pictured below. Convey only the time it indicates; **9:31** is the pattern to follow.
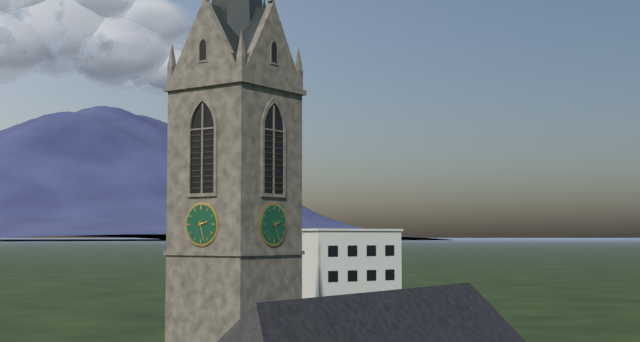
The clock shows **2:27**
